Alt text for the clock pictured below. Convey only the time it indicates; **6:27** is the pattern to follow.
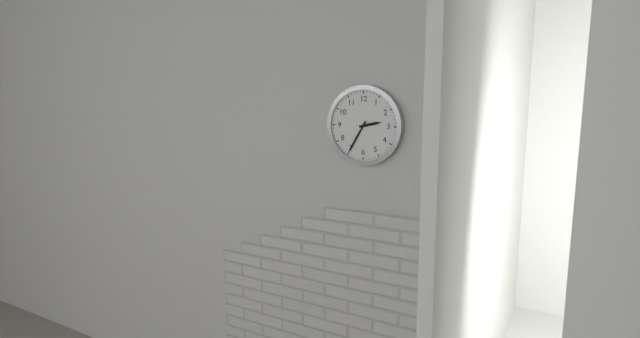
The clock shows **2:35**
